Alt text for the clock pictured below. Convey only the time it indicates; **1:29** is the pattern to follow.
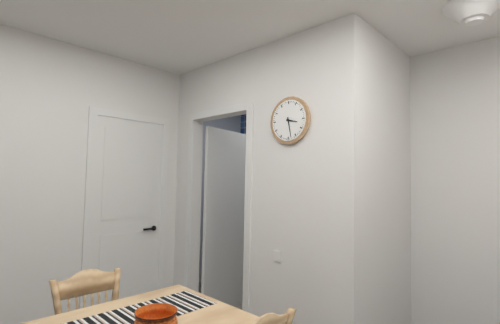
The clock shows **3:28**
